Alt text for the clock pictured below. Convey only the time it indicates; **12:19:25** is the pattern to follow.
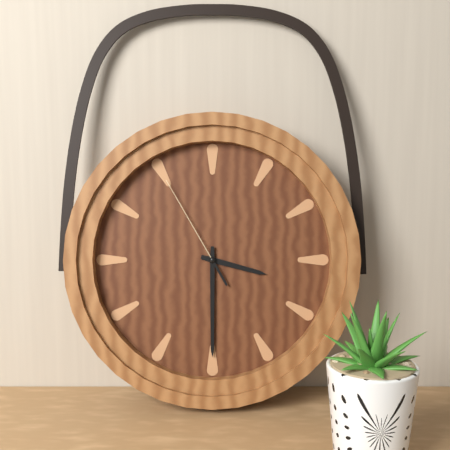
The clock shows **3:30:55**
